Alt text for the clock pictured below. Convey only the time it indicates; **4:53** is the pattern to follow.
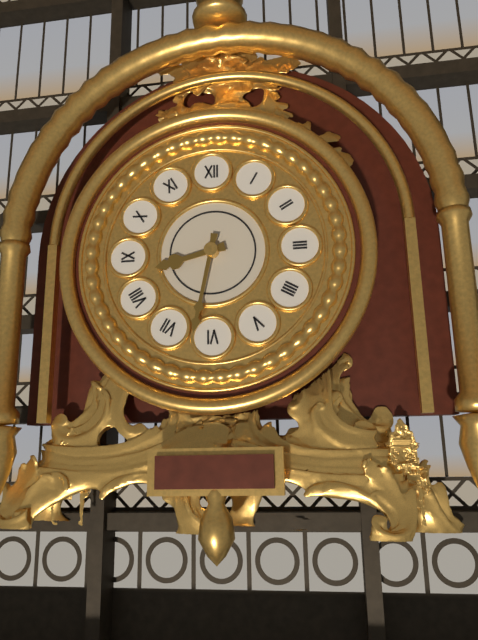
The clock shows **8:32**
